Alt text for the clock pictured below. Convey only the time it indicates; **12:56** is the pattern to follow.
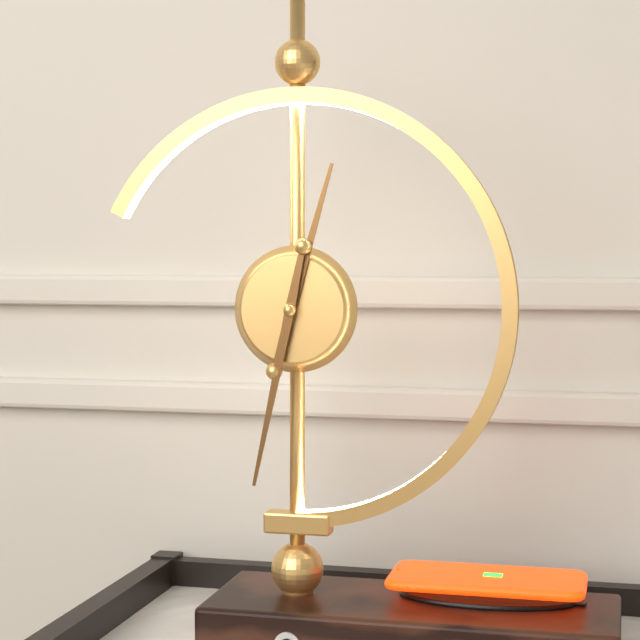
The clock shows **12:32**
